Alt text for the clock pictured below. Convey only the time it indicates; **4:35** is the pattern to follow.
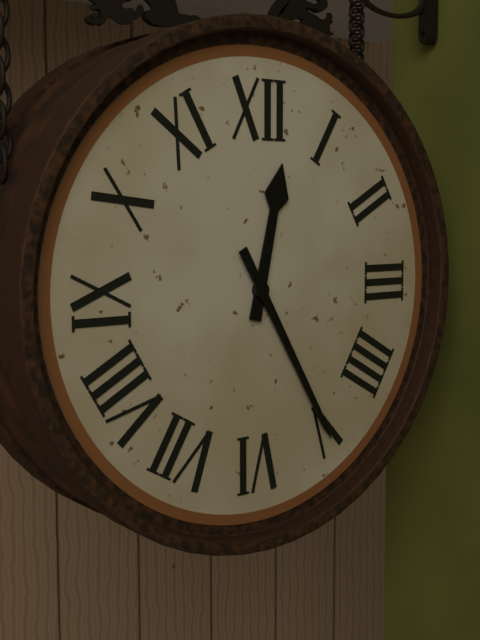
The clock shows **12:25**
